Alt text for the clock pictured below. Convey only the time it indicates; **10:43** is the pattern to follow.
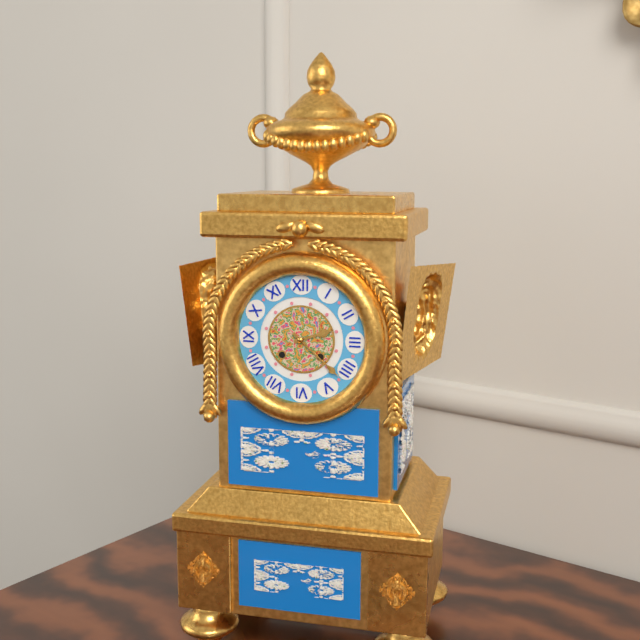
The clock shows **2:22**
